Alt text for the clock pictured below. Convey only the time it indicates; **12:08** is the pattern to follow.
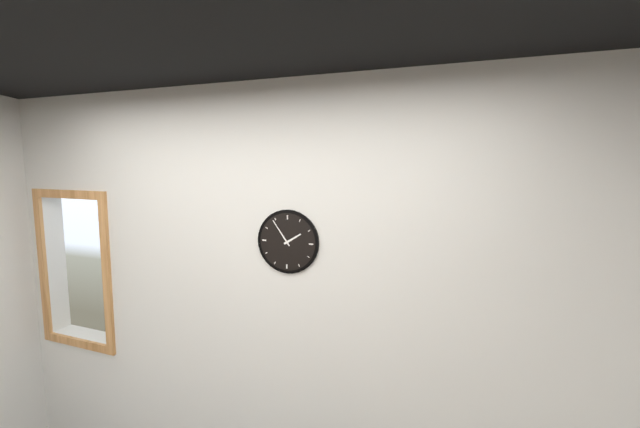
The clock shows **1:54**
